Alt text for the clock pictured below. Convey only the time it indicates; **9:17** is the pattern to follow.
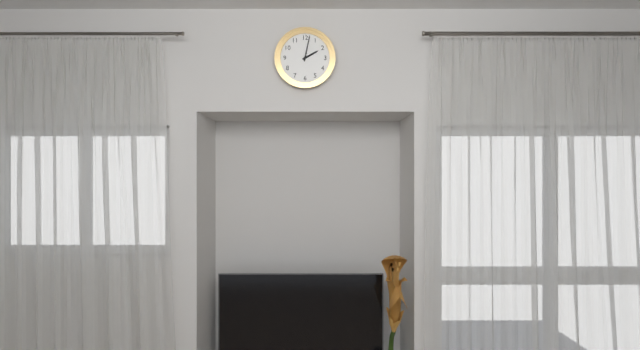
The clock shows **2:02**
